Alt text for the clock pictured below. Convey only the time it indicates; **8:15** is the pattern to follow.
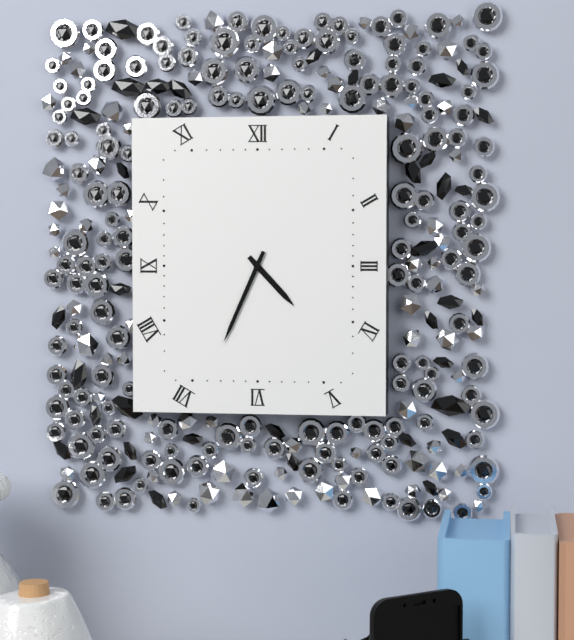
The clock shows **4:34**
